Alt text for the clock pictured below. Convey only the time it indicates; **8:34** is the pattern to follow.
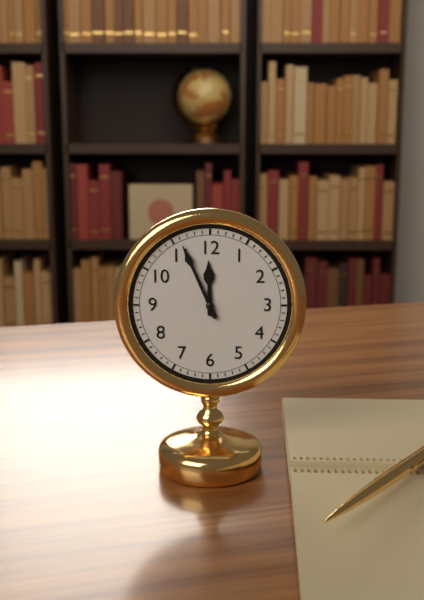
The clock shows **11:56**
